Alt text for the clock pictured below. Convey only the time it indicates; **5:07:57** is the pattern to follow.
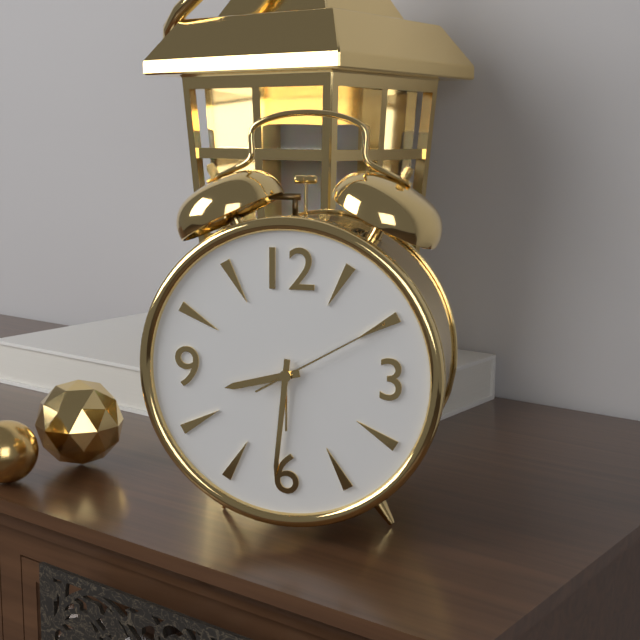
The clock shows **8:31:10**
